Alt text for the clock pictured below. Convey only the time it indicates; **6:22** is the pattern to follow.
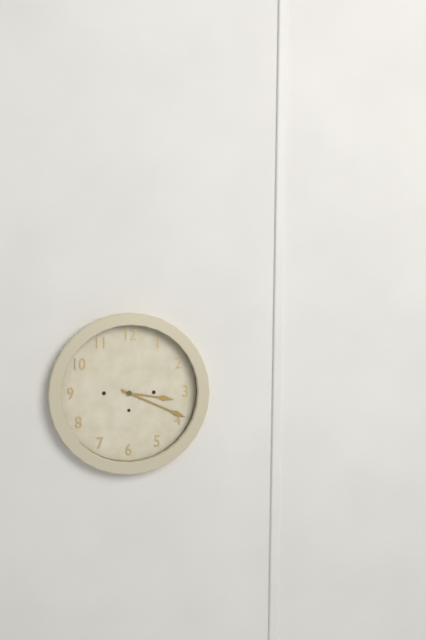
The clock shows **3:19**
